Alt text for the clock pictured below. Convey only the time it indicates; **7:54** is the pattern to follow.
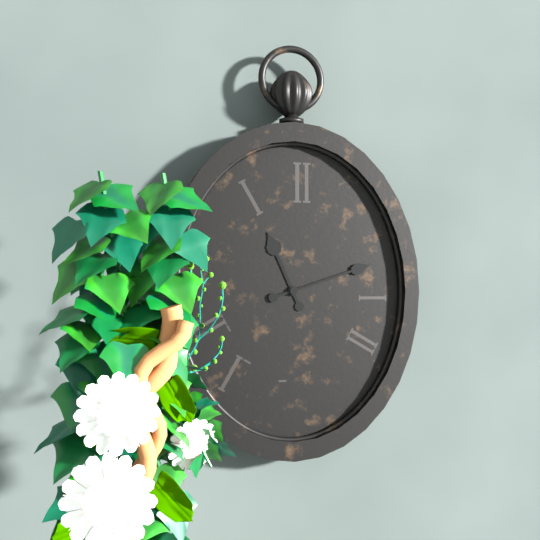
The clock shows **11:12**
